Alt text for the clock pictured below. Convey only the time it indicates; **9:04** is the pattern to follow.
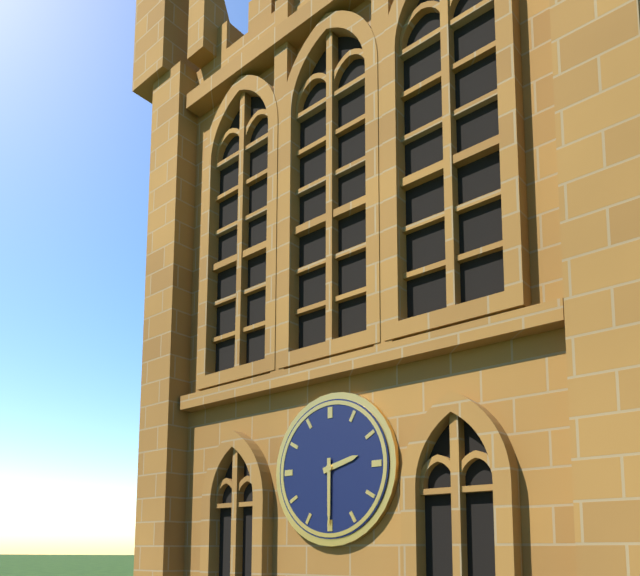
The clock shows **2:30**
